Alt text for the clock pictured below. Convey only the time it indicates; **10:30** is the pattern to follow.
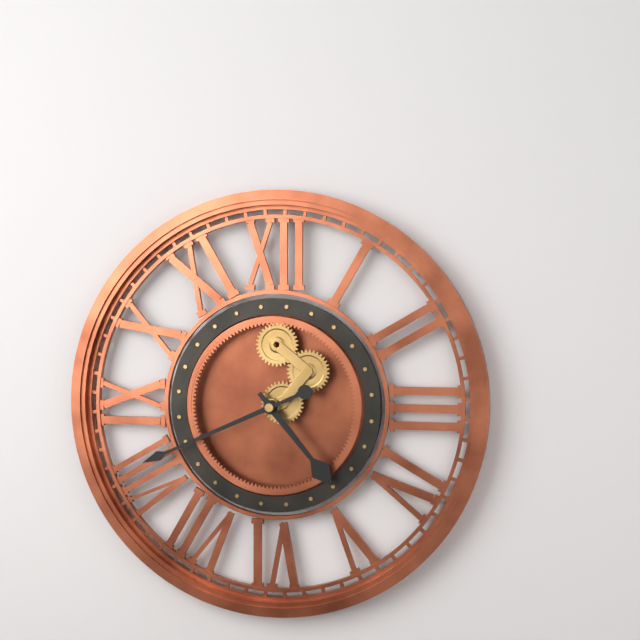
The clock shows **4:41**
